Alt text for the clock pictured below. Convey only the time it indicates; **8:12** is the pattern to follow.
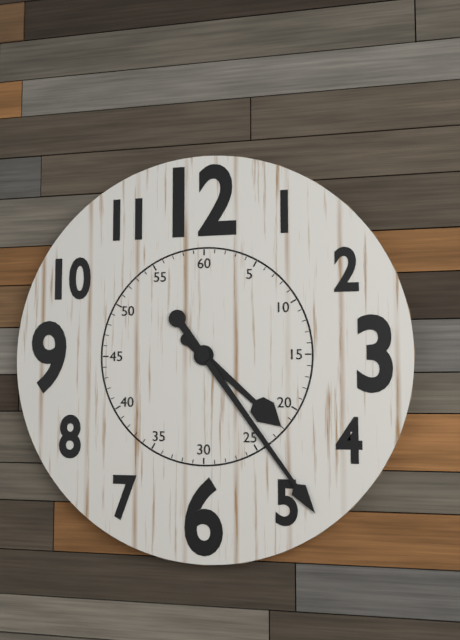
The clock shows **4:24**
